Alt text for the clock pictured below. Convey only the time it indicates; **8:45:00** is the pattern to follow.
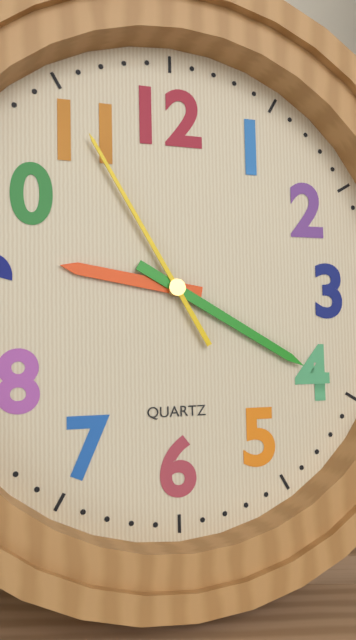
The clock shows **9:20:55**
